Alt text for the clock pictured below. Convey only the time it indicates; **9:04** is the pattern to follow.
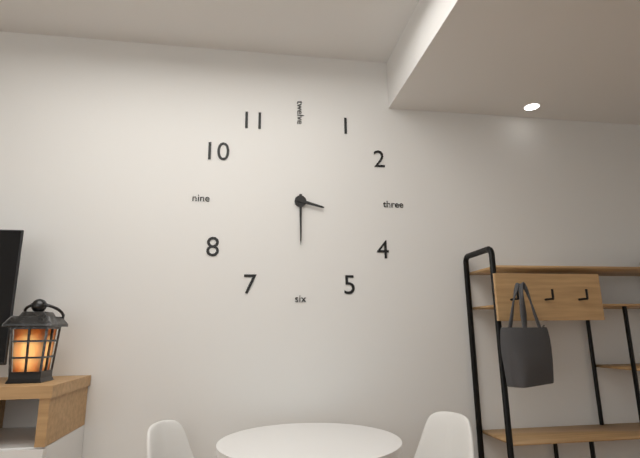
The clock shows **3:30**
